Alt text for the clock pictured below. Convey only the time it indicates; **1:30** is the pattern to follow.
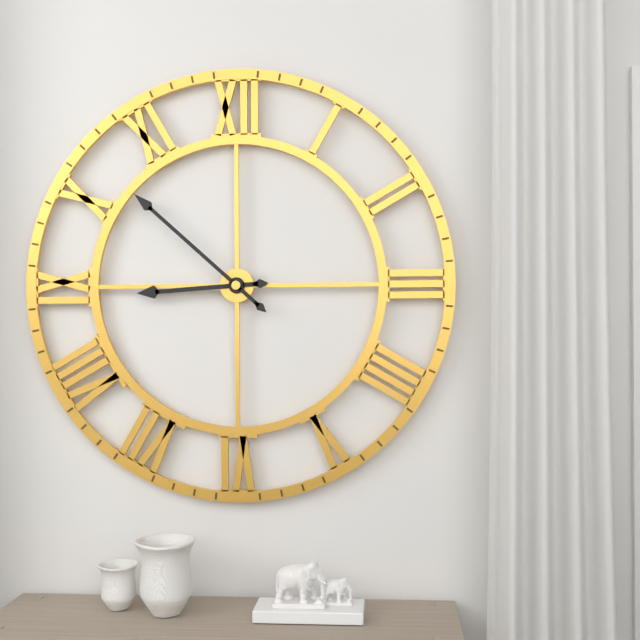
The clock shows **8:52**
